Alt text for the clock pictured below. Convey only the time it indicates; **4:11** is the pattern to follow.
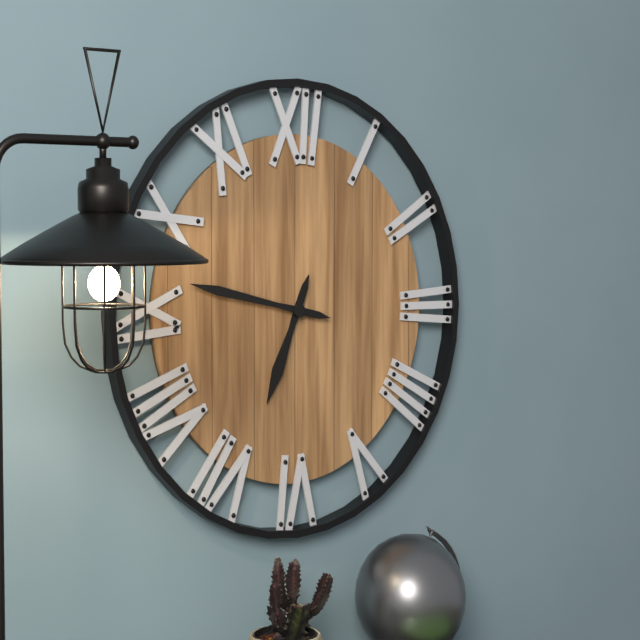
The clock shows **6:47**
